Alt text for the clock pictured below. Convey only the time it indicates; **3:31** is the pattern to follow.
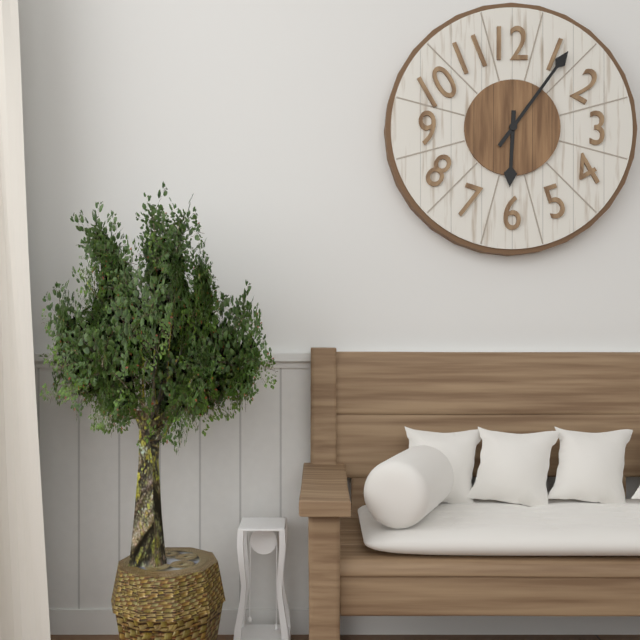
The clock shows **6:06**
